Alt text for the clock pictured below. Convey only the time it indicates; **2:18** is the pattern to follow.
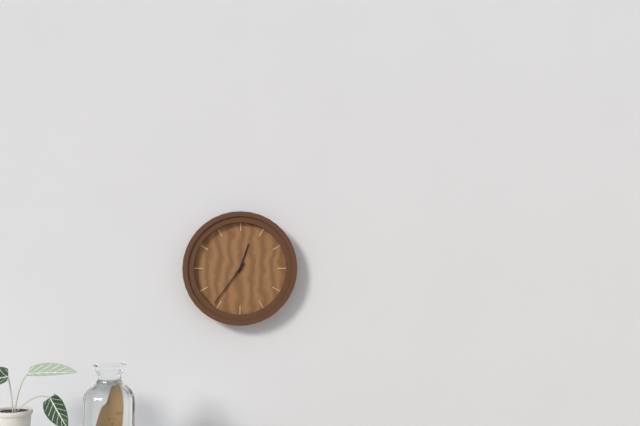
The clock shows **12:36**
